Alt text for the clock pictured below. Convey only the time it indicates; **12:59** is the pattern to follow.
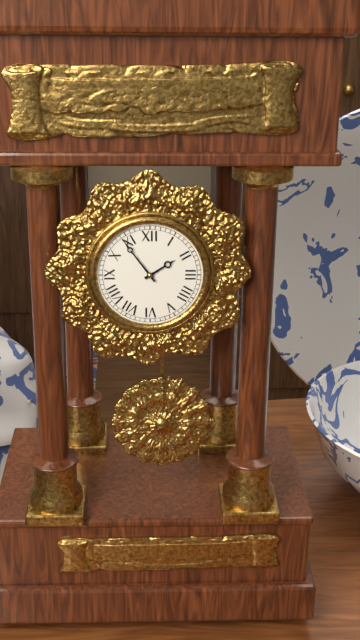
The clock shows **1:54**
